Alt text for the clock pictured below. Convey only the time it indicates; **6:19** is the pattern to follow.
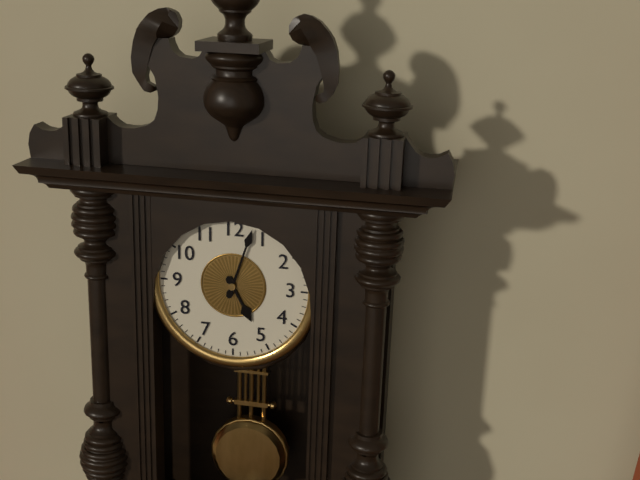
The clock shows **5:03**
